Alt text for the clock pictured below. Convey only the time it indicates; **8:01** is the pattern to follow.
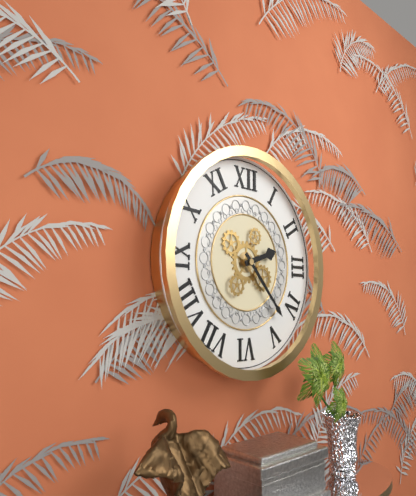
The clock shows **2:23**
